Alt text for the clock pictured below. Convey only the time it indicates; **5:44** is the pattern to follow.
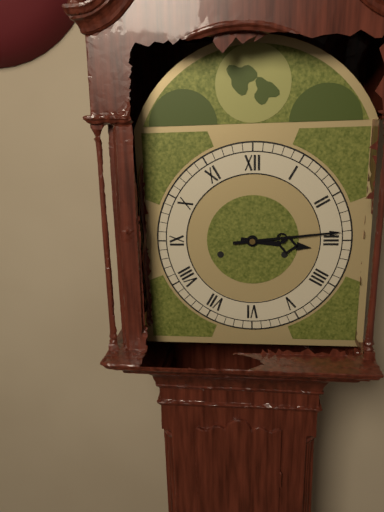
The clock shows **3:14**
